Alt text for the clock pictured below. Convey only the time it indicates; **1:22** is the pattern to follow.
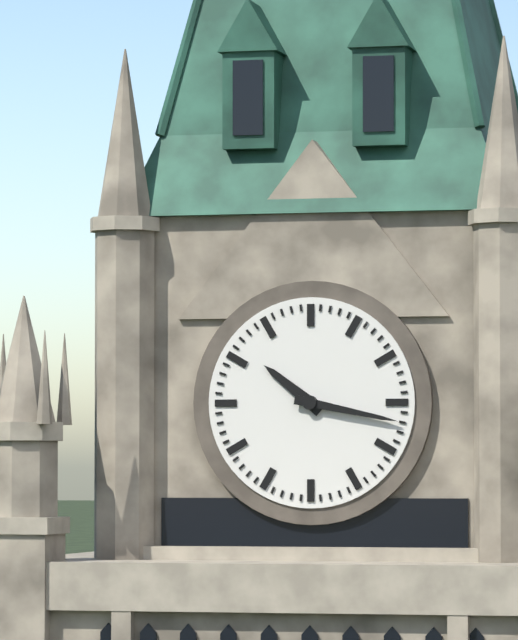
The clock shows **10:17**
